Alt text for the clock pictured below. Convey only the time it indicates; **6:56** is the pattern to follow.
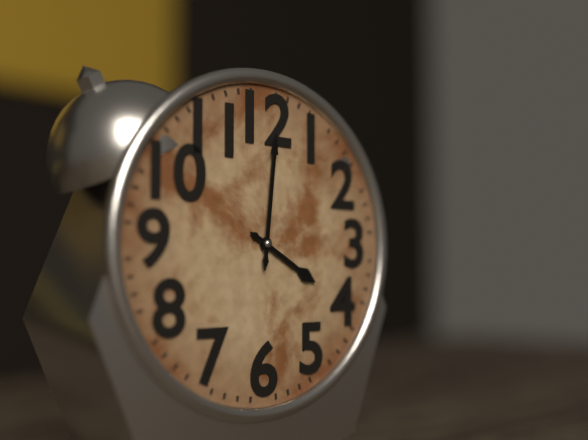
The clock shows **4:01**
